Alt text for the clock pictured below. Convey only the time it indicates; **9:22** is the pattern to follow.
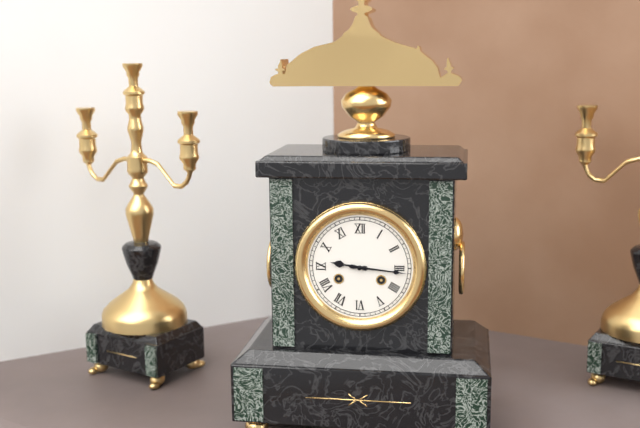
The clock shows **9:16**
